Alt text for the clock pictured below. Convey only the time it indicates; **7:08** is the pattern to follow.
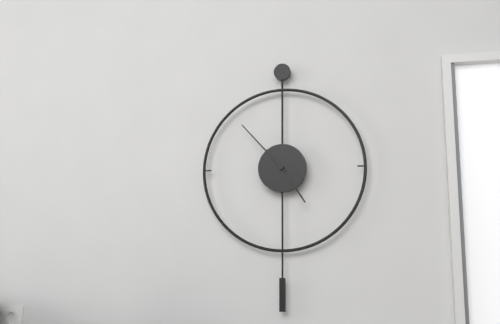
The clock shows **4:53**
